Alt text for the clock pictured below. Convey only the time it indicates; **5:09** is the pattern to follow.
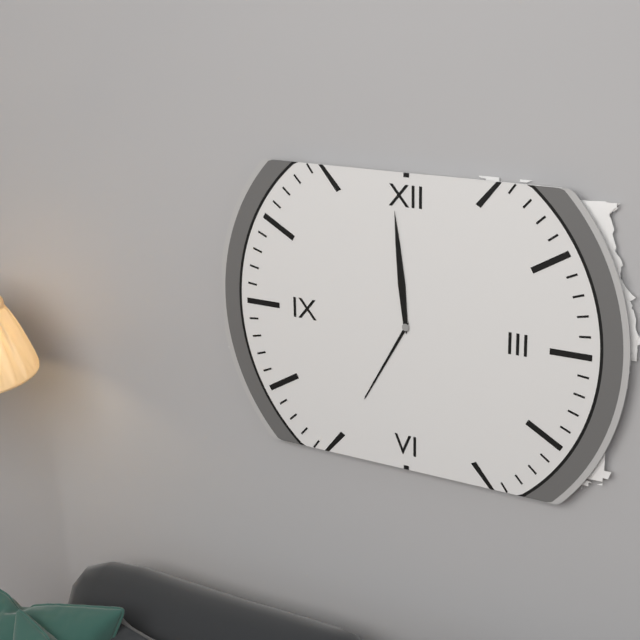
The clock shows **6:59**
